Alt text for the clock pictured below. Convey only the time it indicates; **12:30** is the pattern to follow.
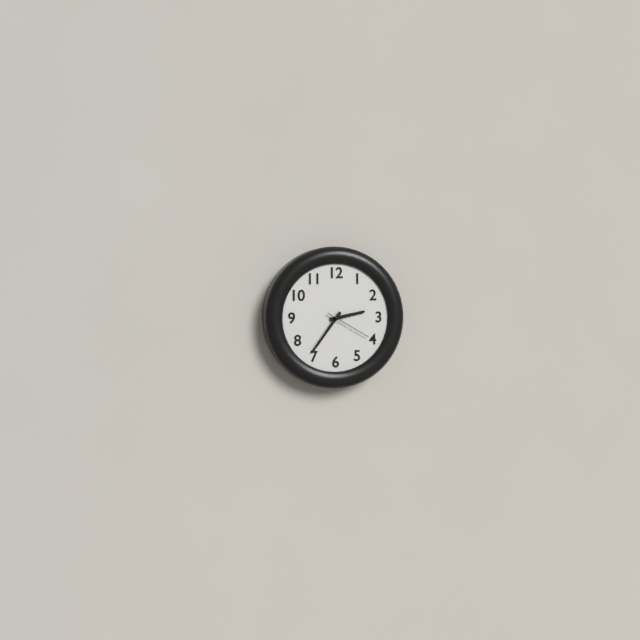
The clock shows **2:36**
